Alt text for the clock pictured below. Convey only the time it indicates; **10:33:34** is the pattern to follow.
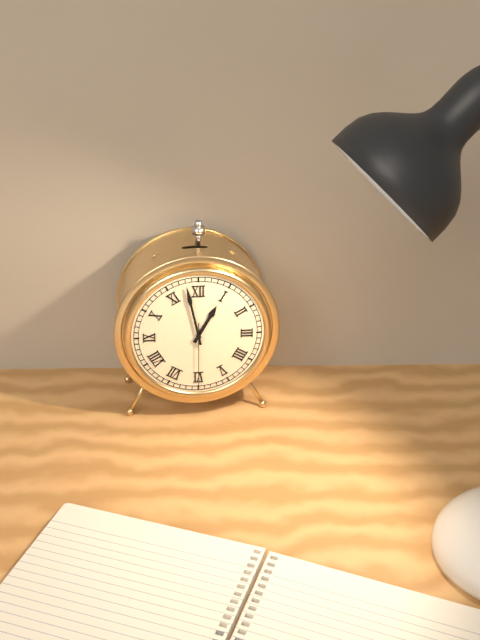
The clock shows **12:58:30**
